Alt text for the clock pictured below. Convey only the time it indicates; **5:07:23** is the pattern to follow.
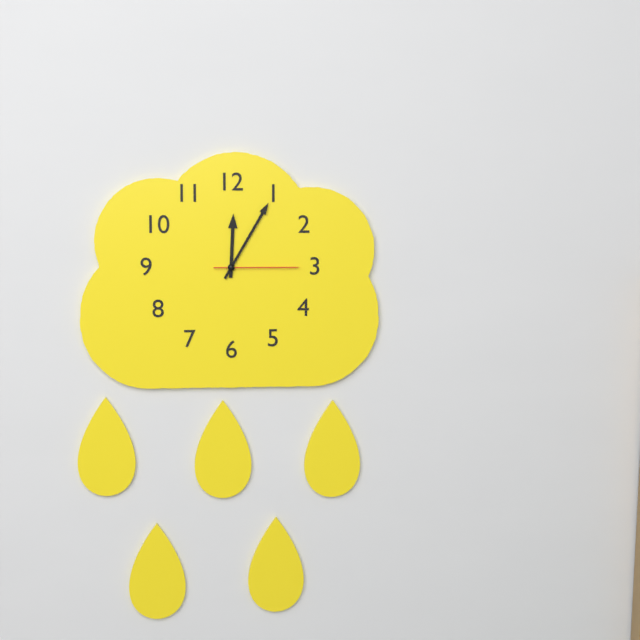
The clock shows **12:05:15**
